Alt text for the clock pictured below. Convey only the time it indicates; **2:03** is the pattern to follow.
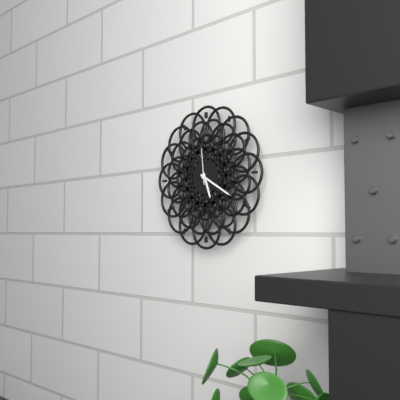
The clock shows **5:20**
